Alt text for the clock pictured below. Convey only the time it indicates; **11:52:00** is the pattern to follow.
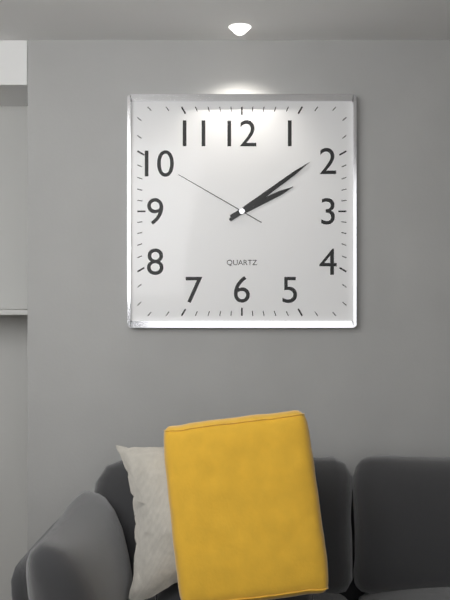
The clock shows **2:09:50**
